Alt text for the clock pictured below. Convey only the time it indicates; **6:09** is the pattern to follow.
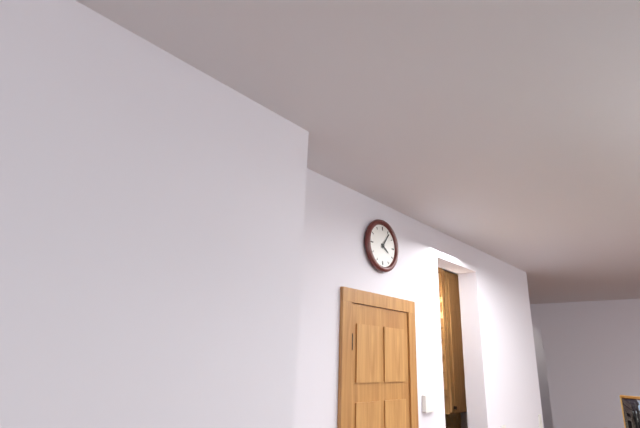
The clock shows **4:06**
